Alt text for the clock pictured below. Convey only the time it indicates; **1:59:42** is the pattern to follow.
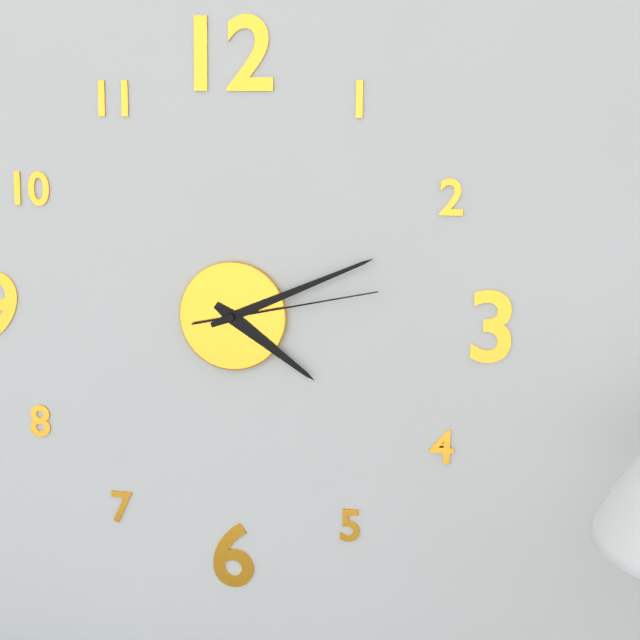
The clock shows **4:11:13**
